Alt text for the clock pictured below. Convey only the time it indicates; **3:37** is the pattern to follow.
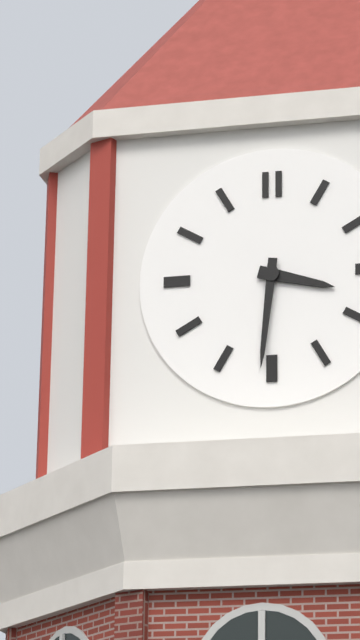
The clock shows **3:31**
